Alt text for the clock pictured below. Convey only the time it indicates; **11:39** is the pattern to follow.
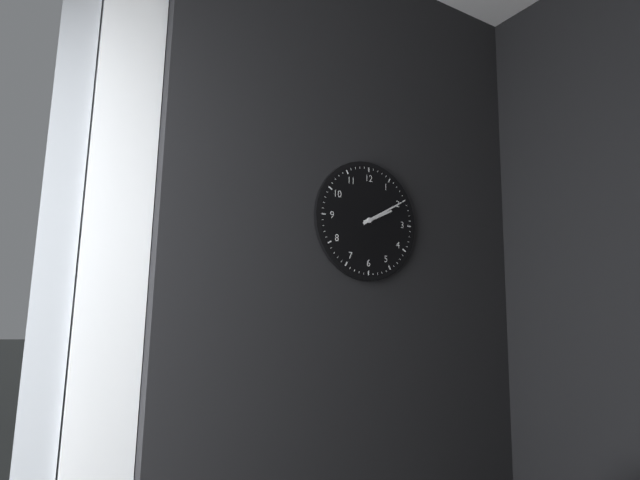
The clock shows **2:10**
